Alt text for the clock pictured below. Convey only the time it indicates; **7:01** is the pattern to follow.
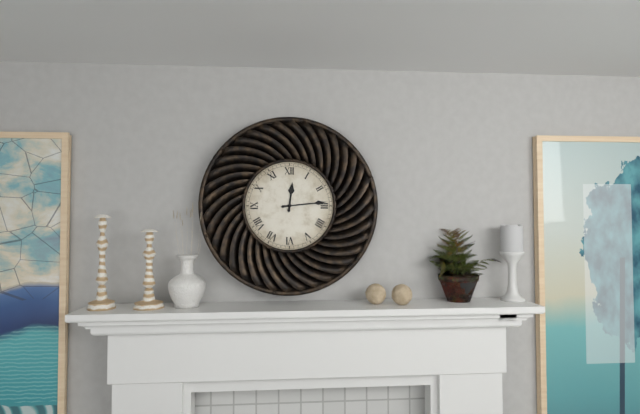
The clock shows **12:14**
